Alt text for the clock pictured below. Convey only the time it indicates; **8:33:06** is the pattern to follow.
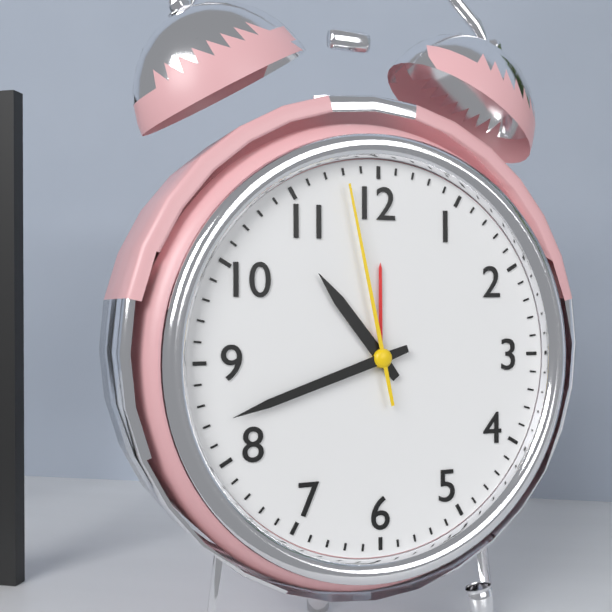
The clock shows **10:42:58**
